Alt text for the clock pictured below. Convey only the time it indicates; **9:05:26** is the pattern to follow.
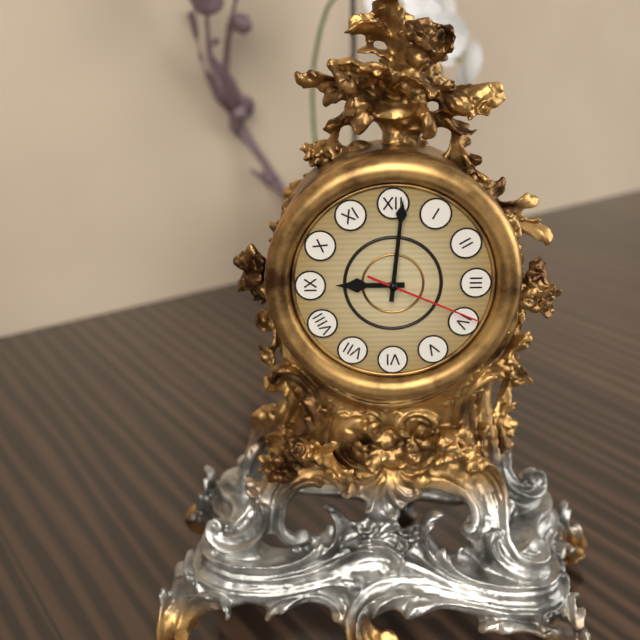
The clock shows **9:01:19**
